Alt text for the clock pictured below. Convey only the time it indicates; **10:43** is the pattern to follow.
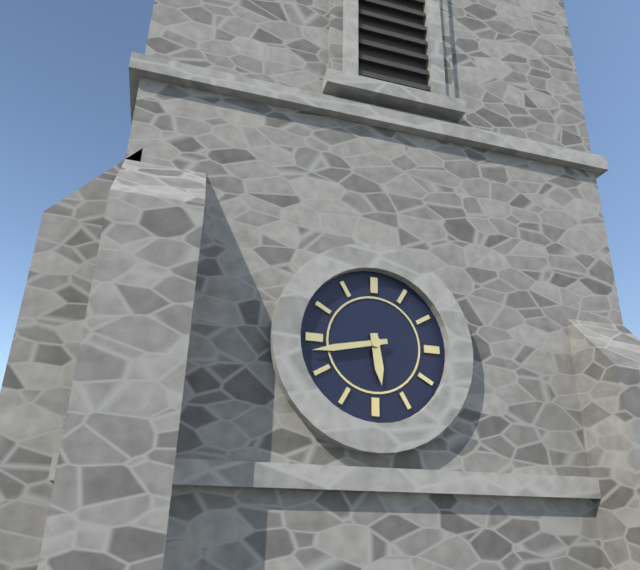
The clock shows **5:43**
